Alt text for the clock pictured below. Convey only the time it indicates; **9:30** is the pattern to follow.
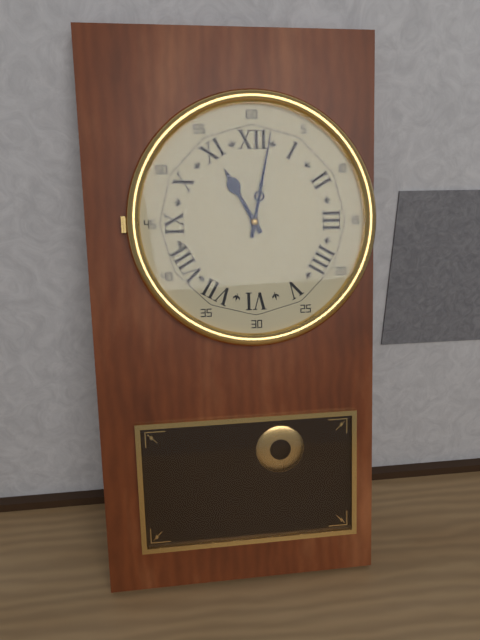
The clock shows **11:02**
